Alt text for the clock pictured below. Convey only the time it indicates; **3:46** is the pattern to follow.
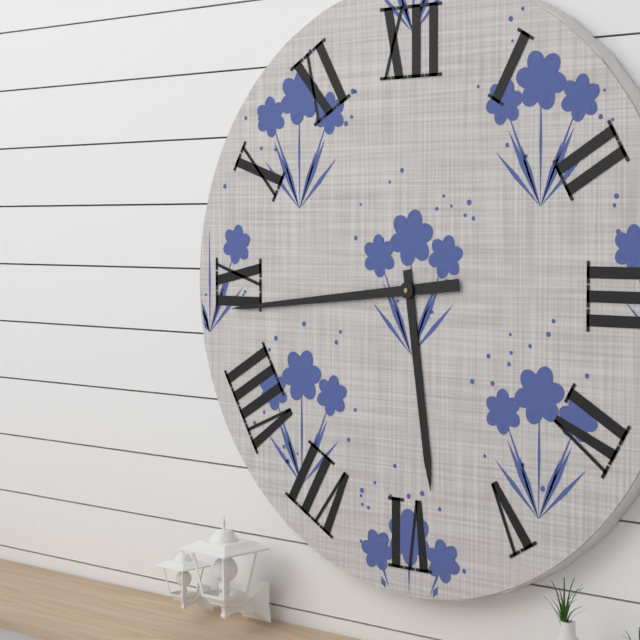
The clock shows **5:44**
